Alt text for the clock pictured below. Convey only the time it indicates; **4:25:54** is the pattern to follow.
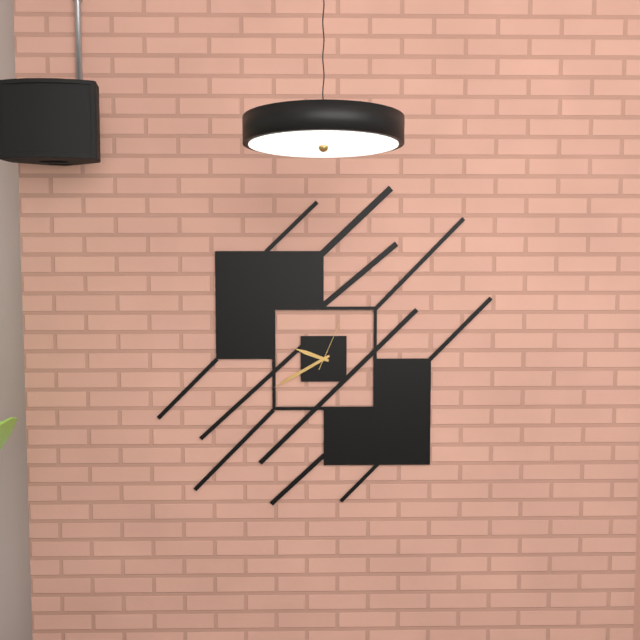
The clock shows **9:40:04**
